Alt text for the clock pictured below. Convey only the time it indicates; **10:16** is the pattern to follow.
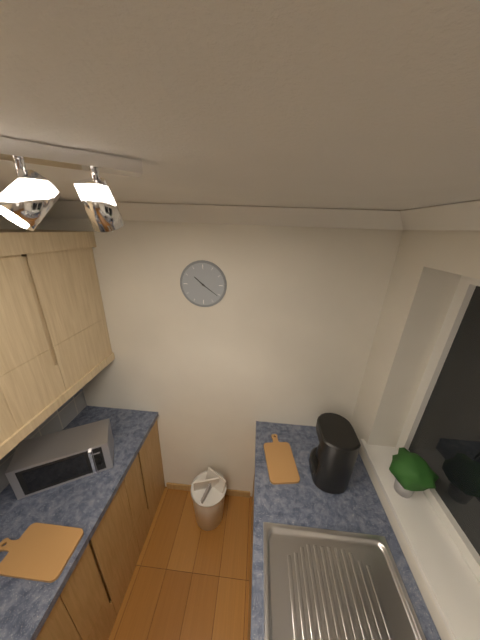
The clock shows **10:21**
